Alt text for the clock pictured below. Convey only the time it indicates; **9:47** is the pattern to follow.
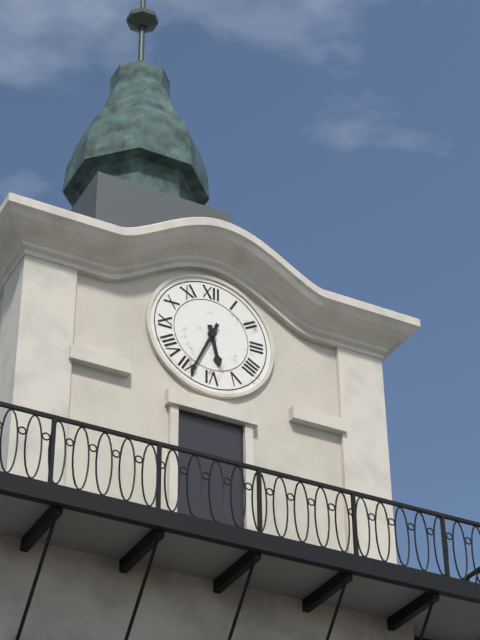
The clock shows **5:34**
